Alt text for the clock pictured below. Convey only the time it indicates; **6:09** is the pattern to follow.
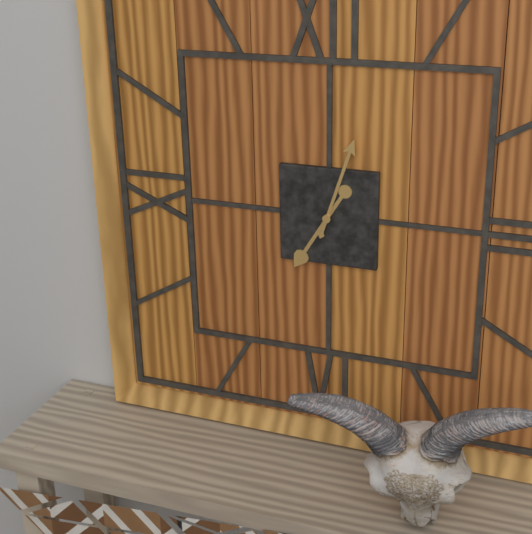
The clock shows **7:03**
